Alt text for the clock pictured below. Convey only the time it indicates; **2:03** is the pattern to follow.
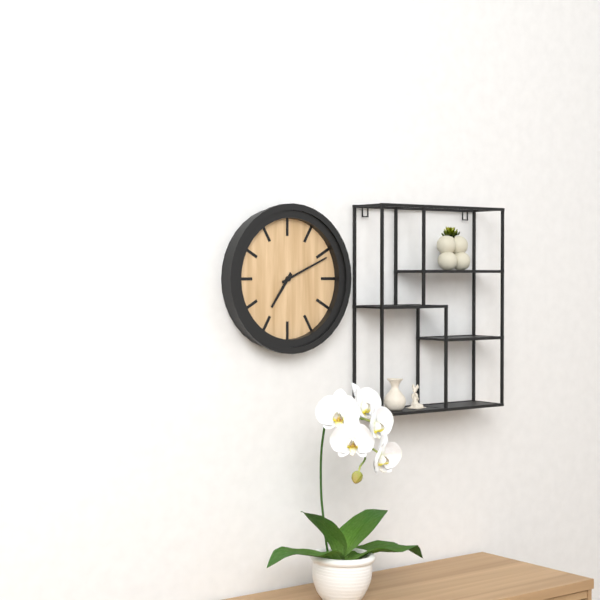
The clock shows **7:11**
